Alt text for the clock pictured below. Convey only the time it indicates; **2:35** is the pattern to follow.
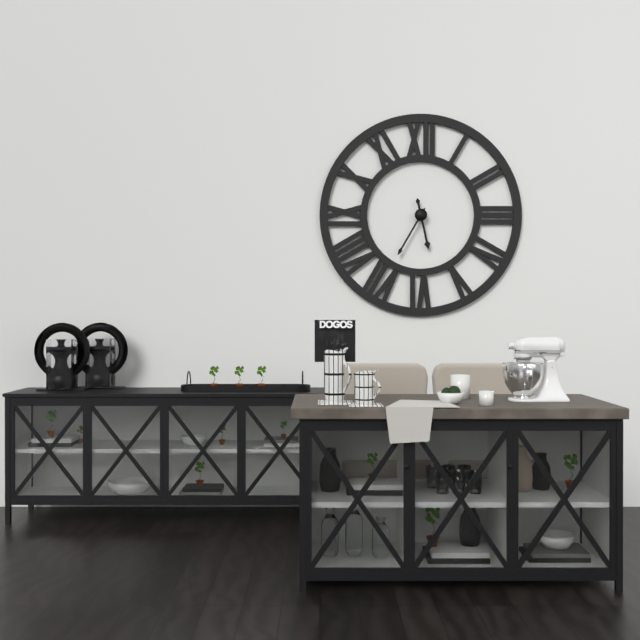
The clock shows **5:35**
